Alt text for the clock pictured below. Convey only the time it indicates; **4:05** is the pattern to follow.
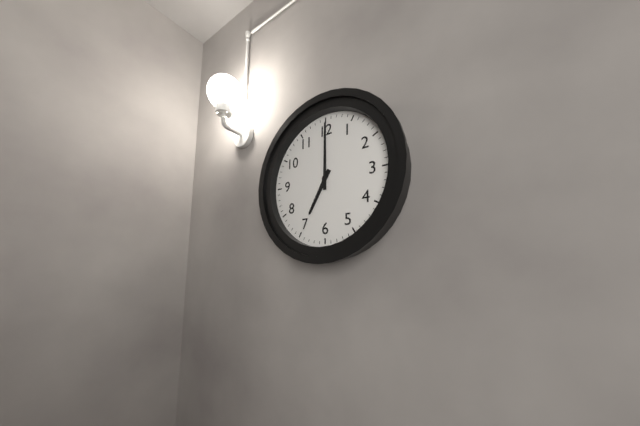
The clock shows **7:00**
